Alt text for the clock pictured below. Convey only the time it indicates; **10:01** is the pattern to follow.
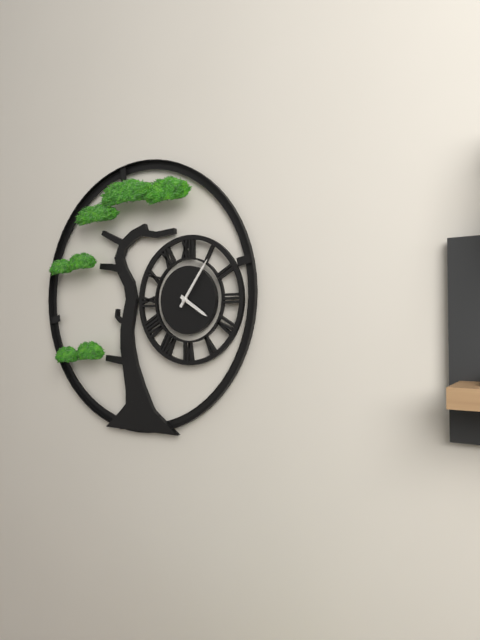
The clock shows **4:06**
